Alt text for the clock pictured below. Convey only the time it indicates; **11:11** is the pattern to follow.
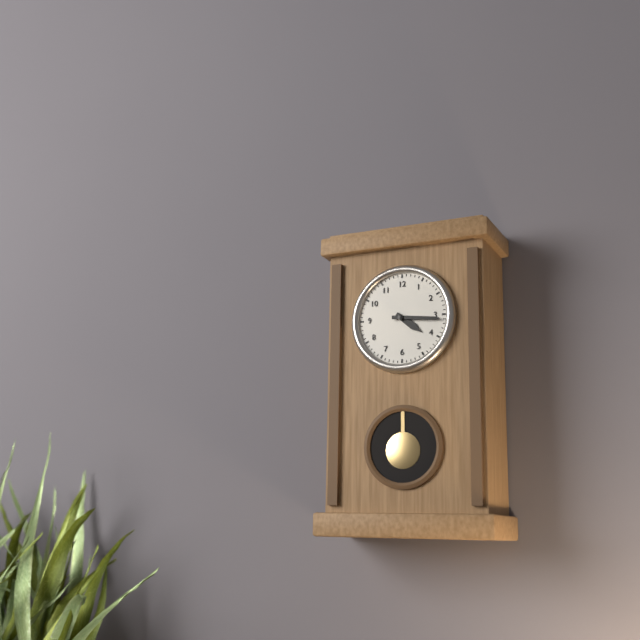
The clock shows **4:16**
